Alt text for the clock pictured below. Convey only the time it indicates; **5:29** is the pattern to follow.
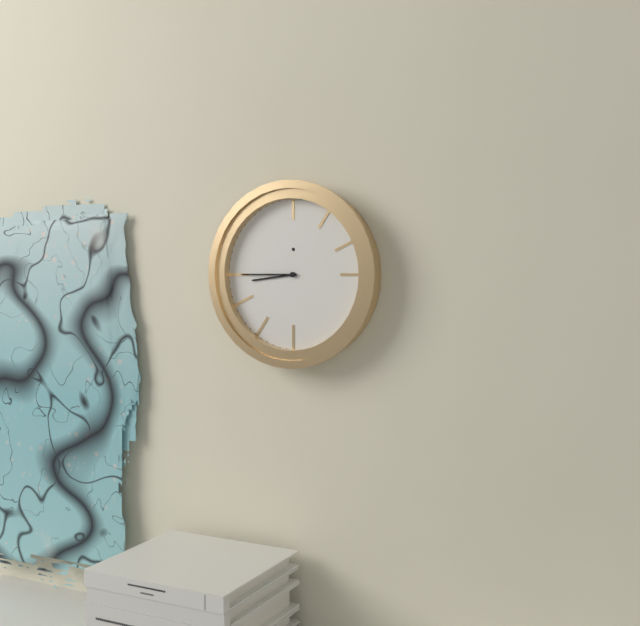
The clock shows **8:45**
